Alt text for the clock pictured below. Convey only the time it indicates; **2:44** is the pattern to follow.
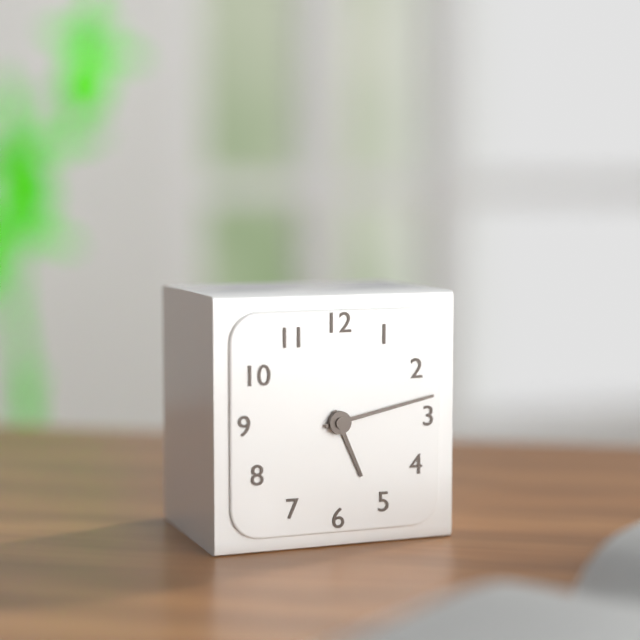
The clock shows **5:13**
